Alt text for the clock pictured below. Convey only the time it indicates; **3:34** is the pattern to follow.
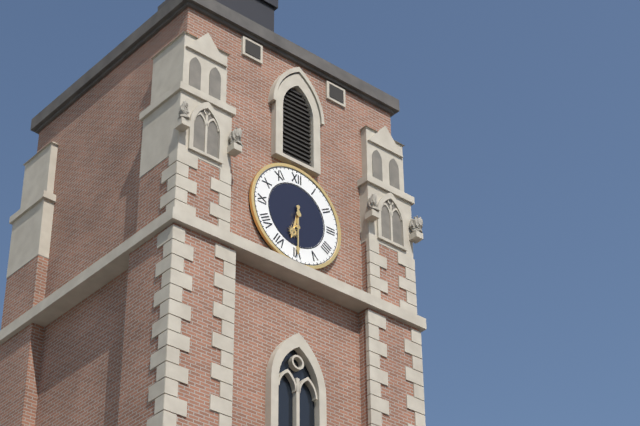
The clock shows **6:30**
